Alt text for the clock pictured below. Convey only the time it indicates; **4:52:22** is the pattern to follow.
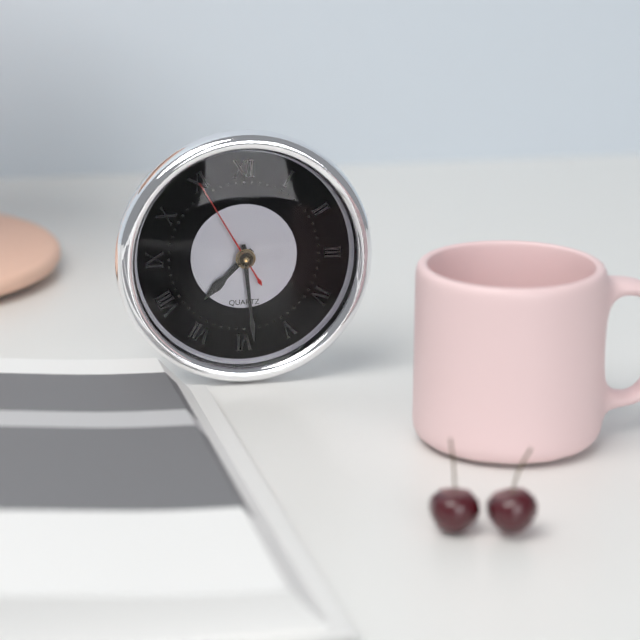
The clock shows **7:29:55**
